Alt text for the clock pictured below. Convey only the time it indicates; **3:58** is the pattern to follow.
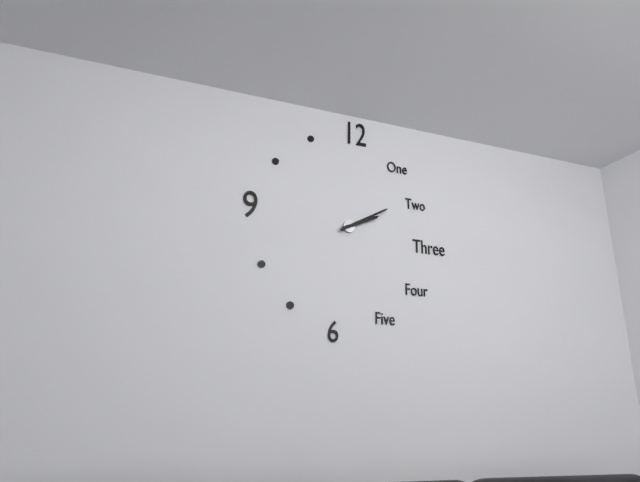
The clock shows **2:10**
